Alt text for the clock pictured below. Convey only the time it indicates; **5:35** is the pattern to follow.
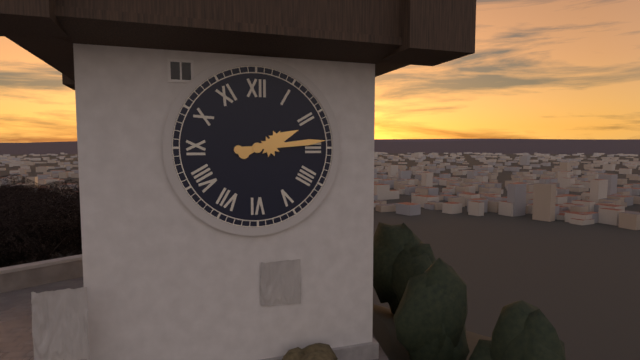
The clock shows **2:14**
